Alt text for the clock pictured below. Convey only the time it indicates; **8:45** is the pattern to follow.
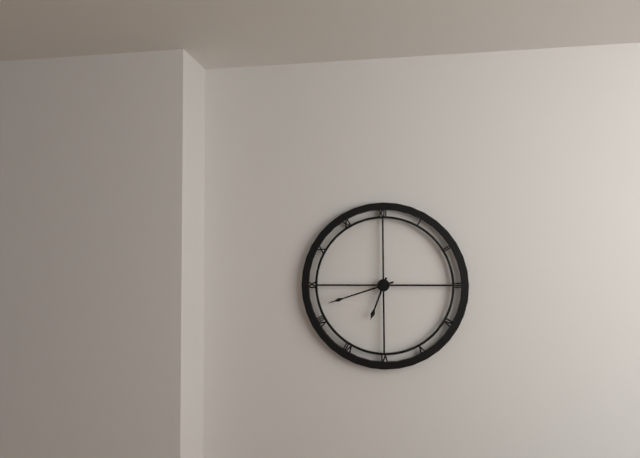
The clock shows **6:42**
